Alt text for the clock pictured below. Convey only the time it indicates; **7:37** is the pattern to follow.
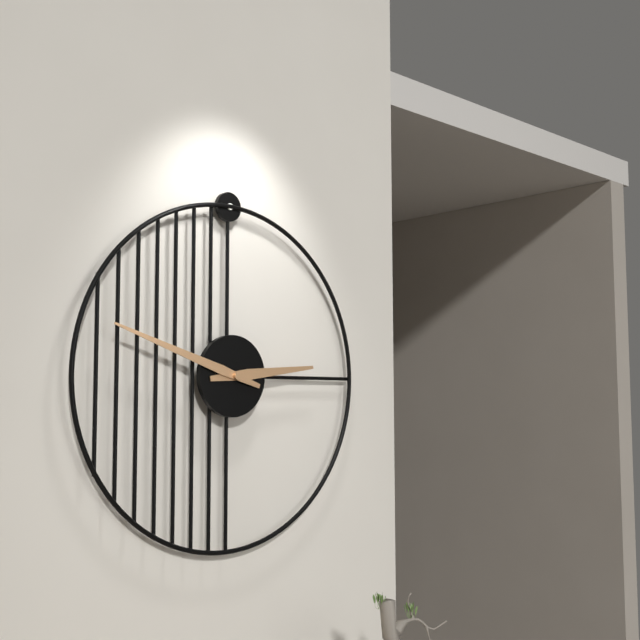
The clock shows **2:48**
